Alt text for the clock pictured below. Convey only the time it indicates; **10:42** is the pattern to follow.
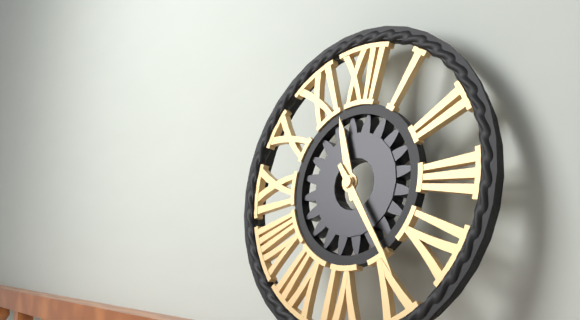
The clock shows **11:24**
